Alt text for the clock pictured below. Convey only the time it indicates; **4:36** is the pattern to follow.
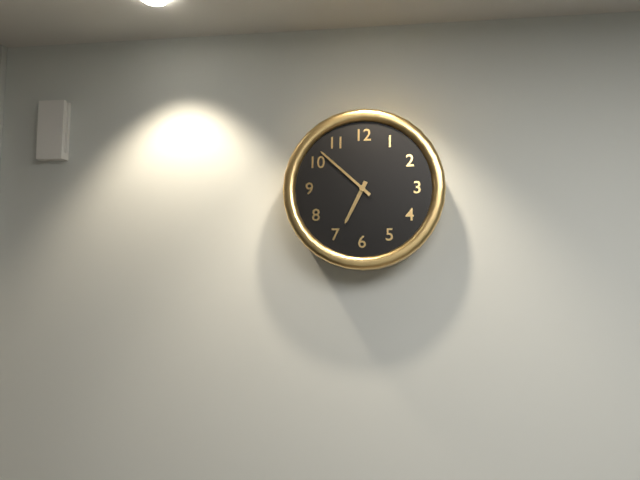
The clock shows **6:52**
